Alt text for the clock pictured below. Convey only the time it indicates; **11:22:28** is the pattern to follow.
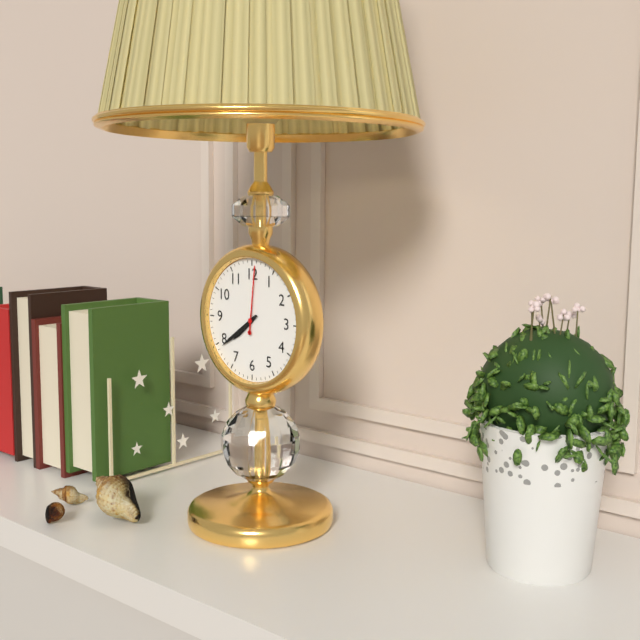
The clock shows **7:39:01**
